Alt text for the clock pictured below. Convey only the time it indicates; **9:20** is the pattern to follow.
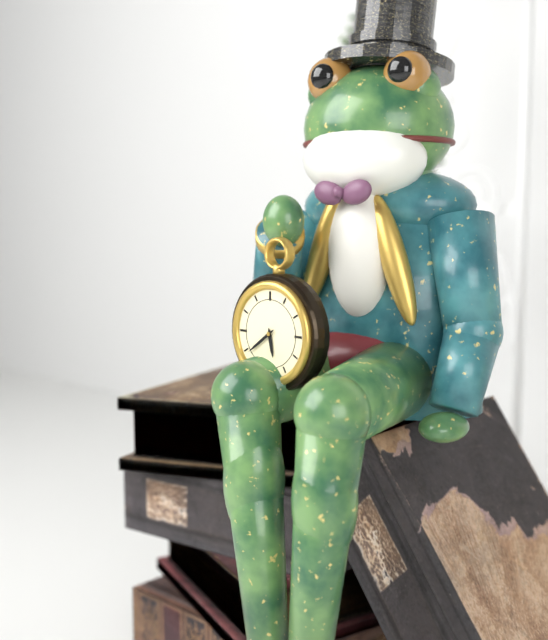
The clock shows **5:39**
